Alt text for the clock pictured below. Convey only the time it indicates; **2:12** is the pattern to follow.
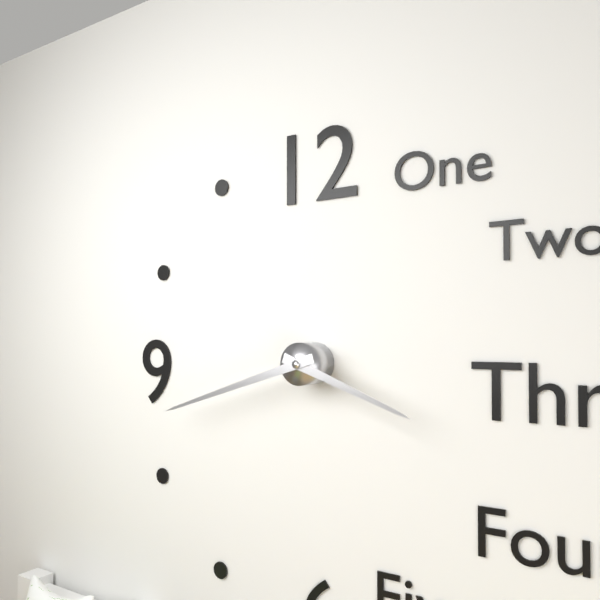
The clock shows **3:42**
